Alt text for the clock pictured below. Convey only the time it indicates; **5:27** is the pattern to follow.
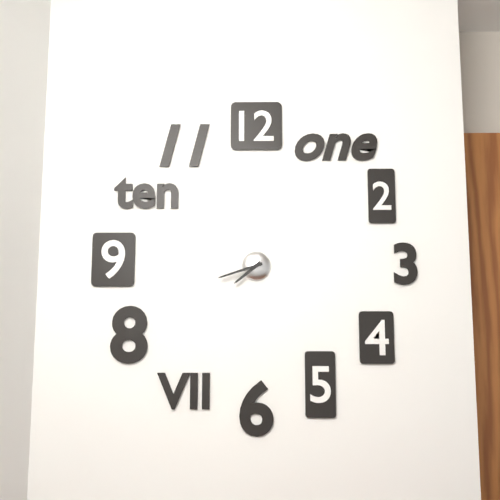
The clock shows **7:42**
